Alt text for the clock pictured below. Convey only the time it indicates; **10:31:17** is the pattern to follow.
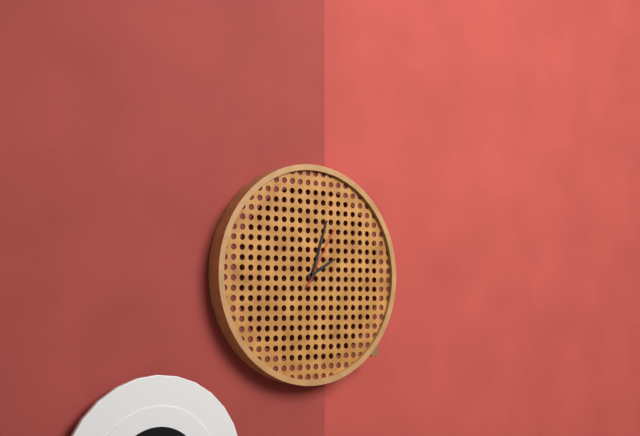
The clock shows **2:03:05**
